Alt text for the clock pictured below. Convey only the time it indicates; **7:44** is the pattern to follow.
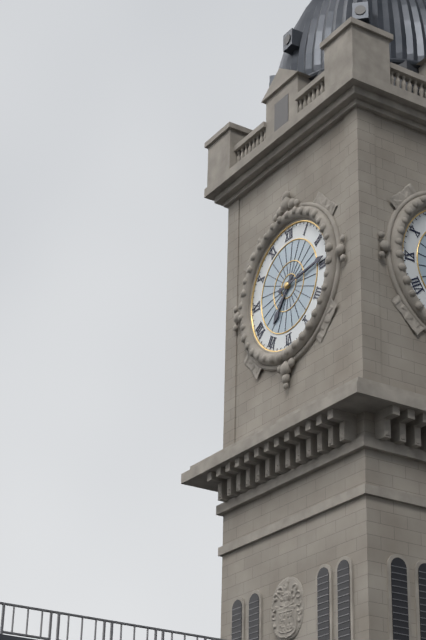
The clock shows **7:14**
